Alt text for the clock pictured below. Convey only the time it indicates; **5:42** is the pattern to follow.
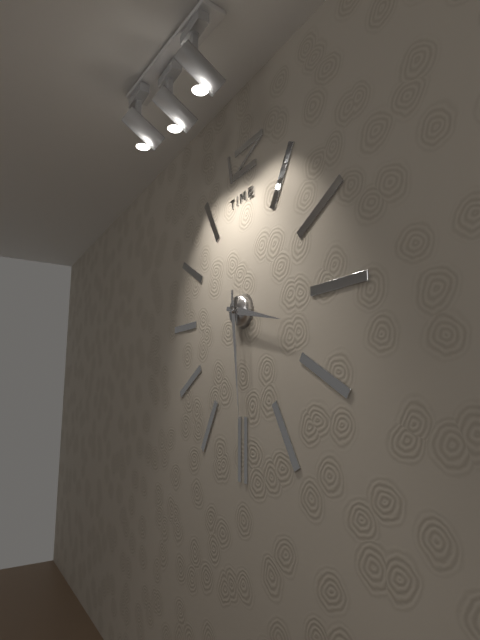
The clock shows **3:29**
